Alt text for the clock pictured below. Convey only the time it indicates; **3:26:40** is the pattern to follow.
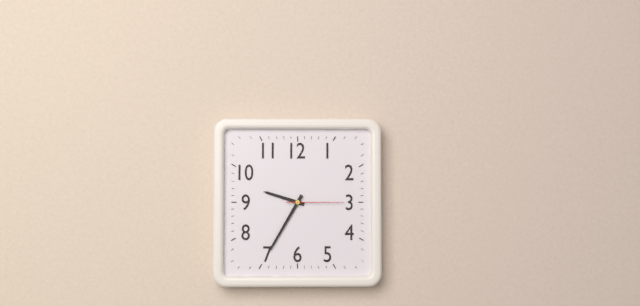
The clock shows **9:35:15**
